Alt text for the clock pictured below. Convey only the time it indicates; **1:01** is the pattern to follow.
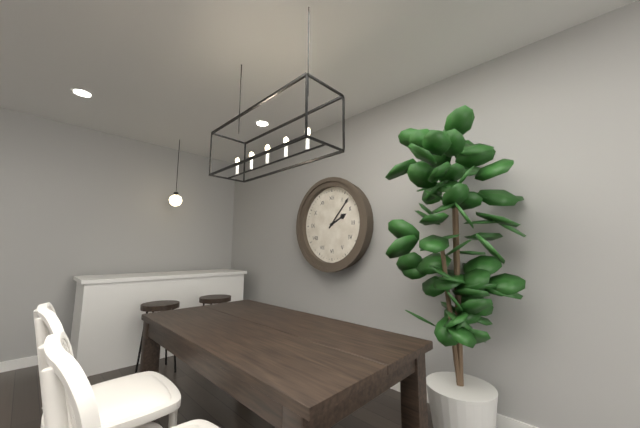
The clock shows **2:07**
